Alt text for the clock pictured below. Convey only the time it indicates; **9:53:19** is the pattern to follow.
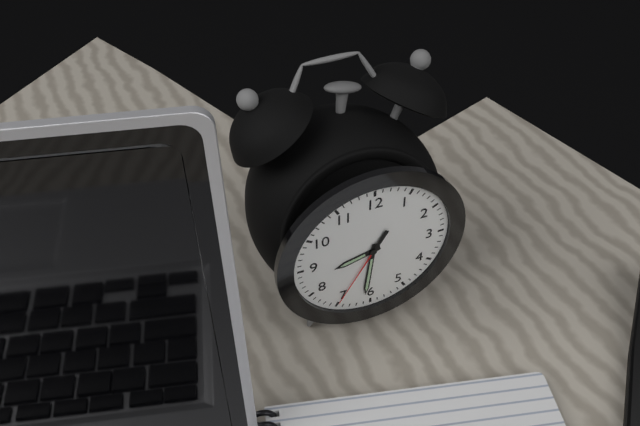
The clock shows **8:31:35**
